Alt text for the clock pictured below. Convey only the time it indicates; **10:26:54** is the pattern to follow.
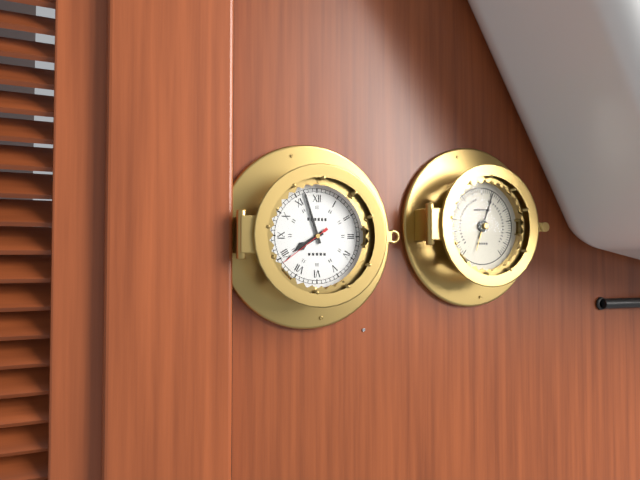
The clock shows **7:57:39**
